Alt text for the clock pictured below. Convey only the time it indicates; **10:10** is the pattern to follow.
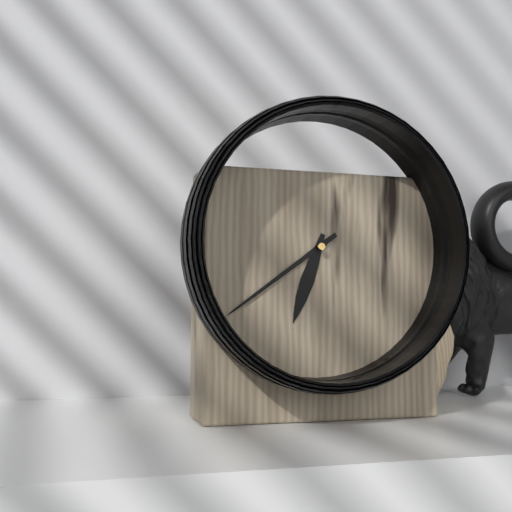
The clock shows **6:39**
